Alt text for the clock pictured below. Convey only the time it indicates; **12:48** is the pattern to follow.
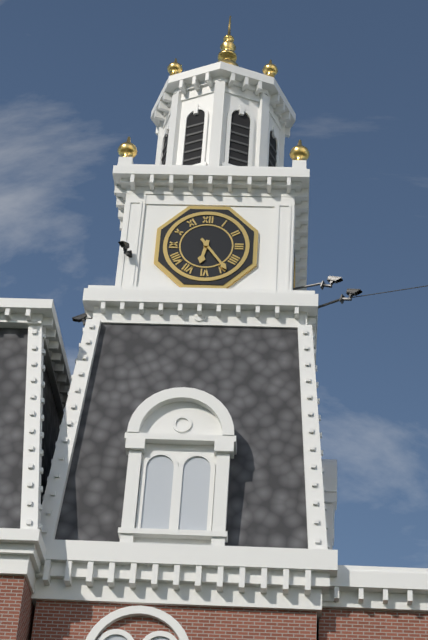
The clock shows **6:24**
